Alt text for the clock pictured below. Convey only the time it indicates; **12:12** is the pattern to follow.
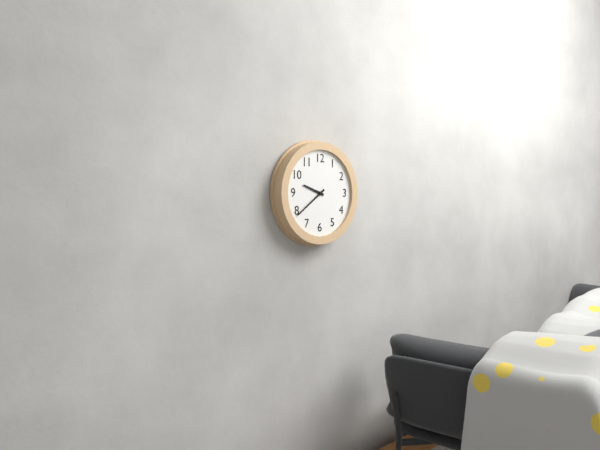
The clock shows **9:39**
